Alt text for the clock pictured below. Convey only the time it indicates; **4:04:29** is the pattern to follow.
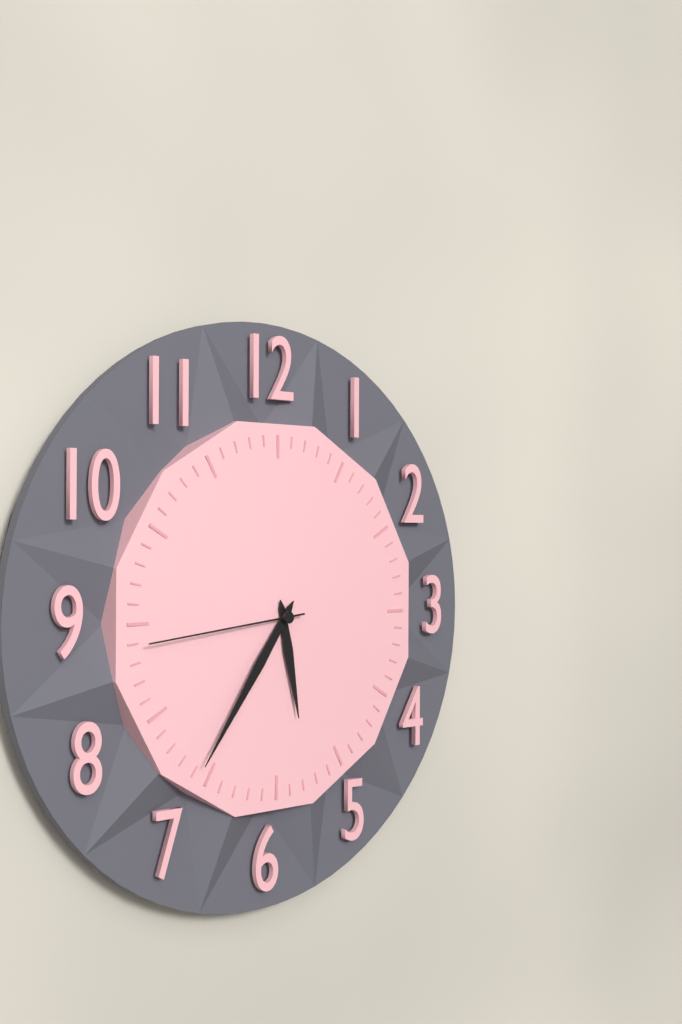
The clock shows **5:36:44**
